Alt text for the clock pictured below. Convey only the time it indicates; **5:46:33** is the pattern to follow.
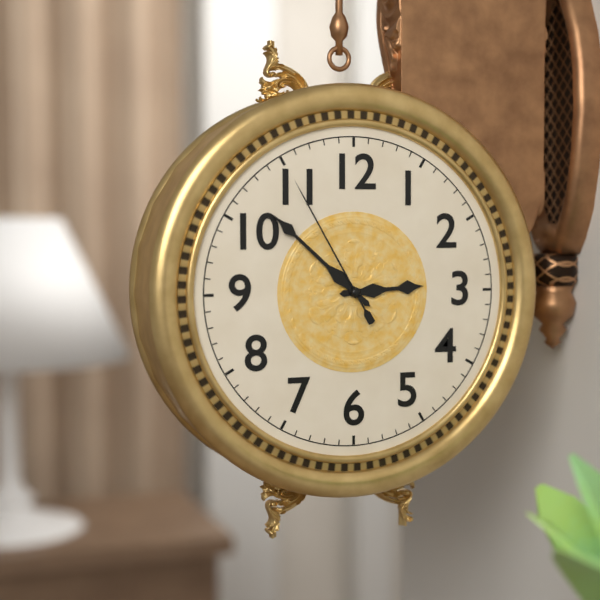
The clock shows **2:52:55**
